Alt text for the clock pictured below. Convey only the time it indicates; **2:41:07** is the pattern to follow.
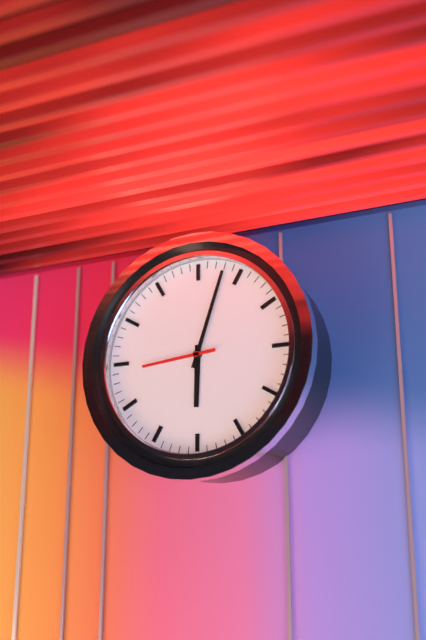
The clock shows **6:03:44**
